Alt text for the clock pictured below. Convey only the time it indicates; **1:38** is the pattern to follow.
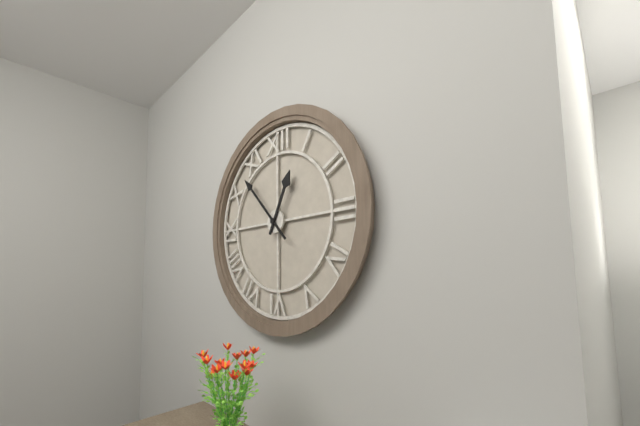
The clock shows **12:53**
